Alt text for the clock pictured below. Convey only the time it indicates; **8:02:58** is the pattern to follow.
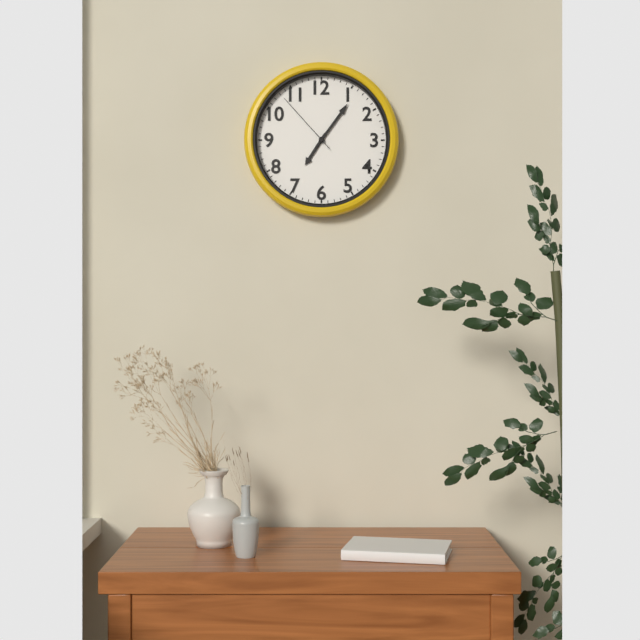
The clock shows **7:06:53**
